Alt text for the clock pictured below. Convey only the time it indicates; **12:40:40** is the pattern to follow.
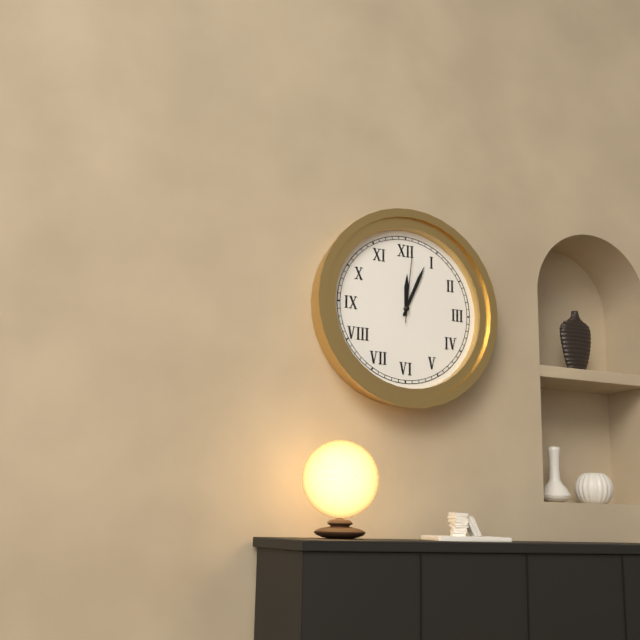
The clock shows **12:04:01**
